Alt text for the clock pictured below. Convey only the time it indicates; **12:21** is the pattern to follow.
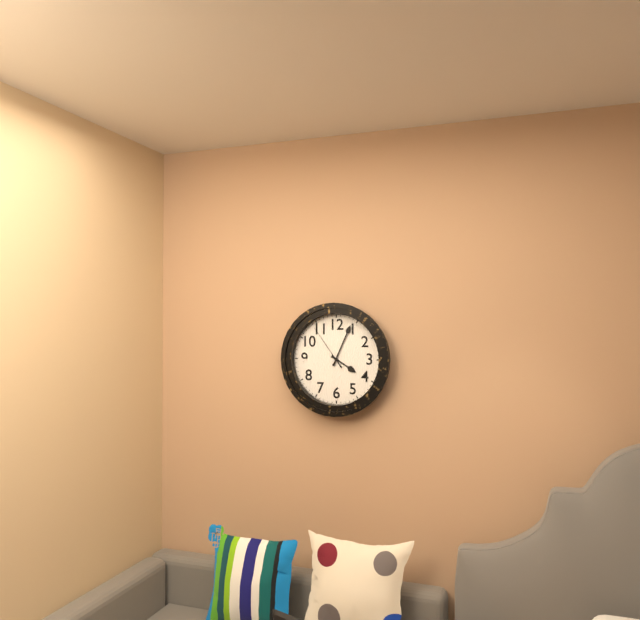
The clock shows **4:04**
